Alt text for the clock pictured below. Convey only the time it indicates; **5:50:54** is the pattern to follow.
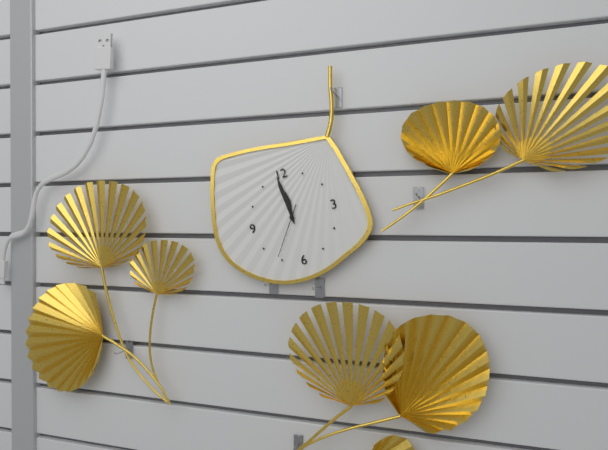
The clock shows **11:59:36**
